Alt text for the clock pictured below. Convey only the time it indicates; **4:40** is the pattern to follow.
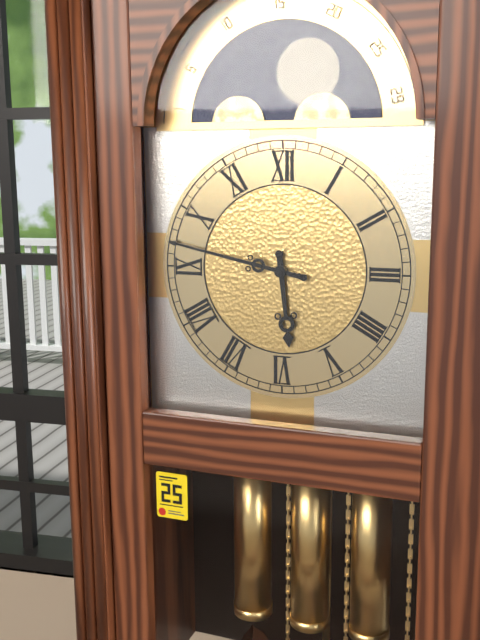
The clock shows **5:47**
